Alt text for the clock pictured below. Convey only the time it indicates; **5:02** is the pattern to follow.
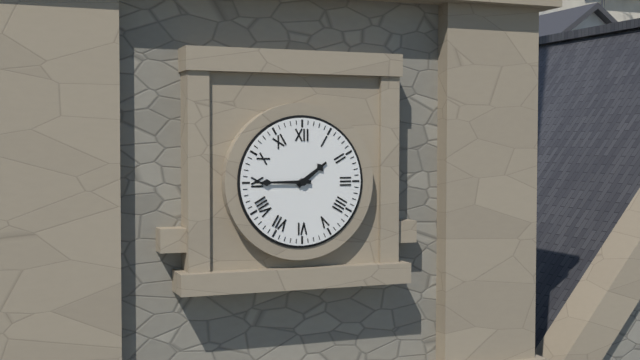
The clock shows **1:45**
